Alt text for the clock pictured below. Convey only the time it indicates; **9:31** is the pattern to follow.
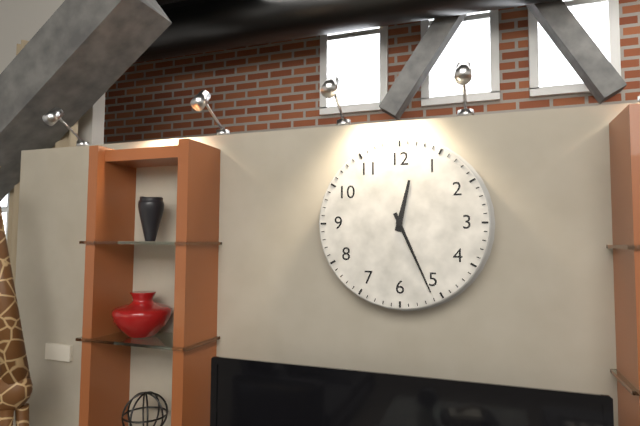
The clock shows **12:26**
